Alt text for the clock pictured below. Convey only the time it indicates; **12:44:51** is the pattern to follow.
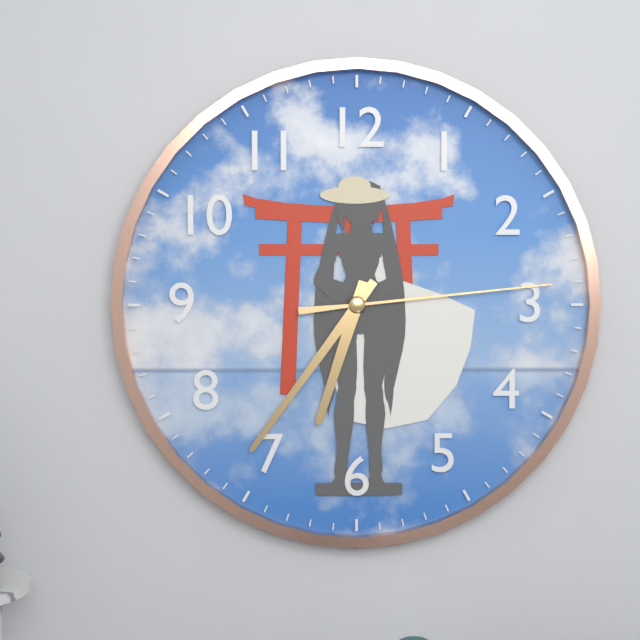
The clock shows **6:36:14**
